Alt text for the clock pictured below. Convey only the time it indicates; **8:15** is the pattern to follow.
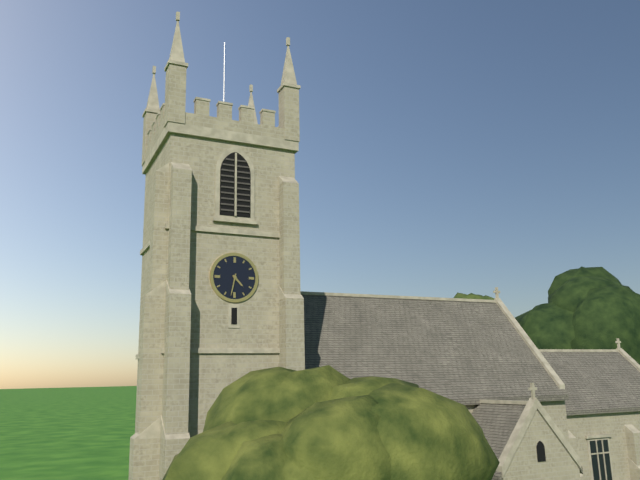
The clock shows **4:32**
